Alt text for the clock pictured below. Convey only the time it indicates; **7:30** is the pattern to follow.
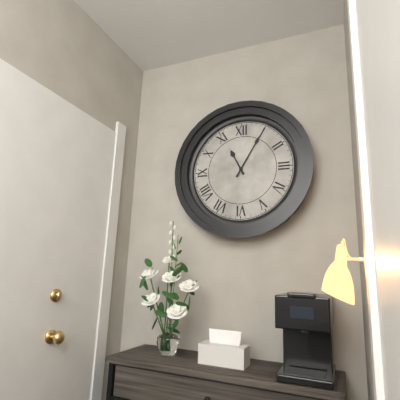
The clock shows **11:05**
